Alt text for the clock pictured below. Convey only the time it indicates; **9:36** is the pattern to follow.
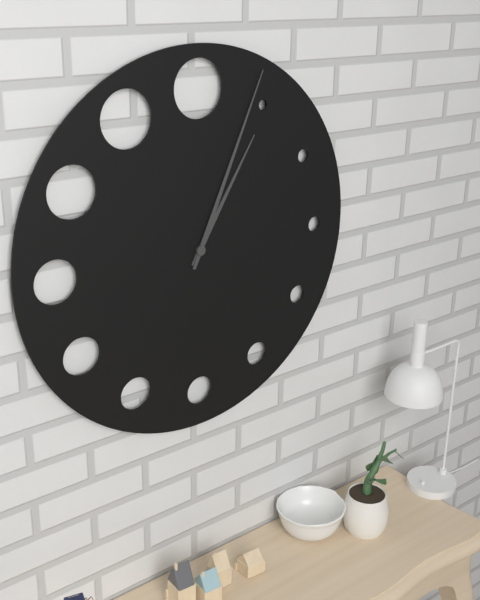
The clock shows **1:04**
